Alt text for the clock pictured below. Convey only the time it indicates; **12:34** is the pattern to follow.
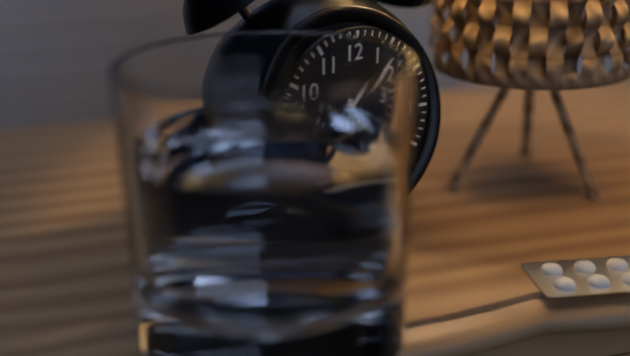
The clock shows **6:08**
